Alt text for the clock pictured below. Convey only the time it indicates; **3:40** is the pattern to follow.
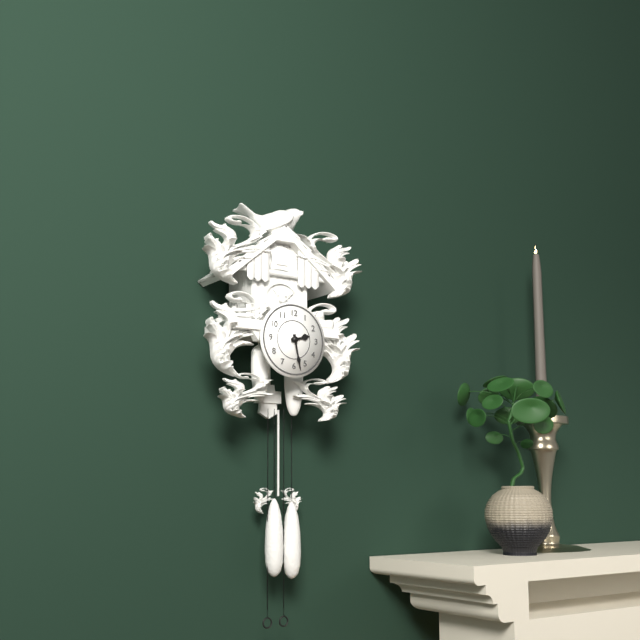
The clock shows **2:28**
